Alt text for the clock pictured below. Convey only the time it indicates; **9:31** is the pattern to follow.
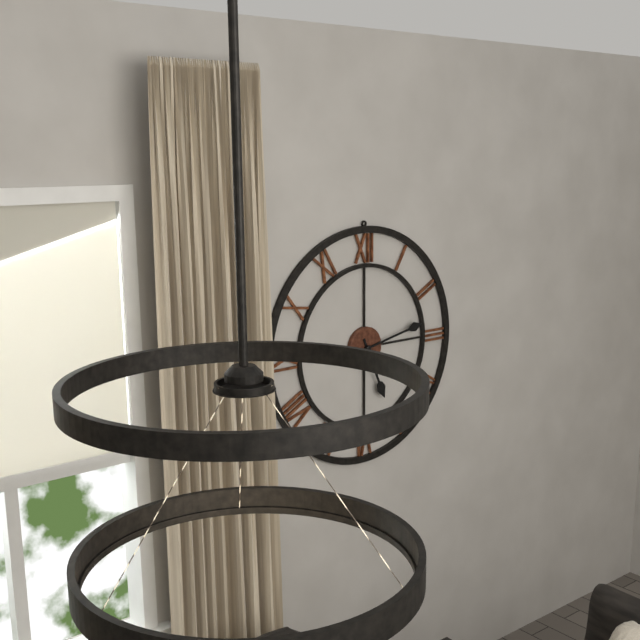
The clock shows **5:13**
